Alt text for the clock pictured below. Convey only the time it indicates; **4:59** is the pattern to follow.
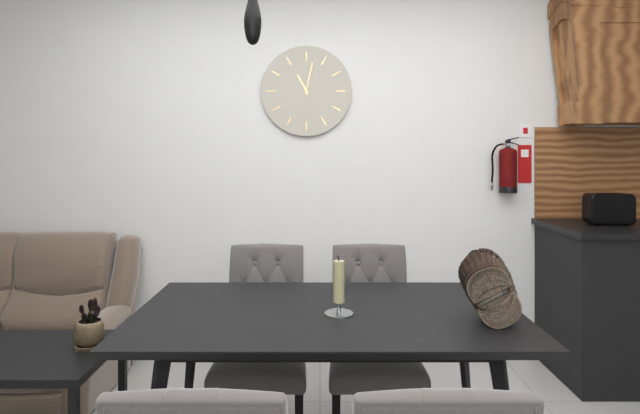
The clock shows **11:02**
